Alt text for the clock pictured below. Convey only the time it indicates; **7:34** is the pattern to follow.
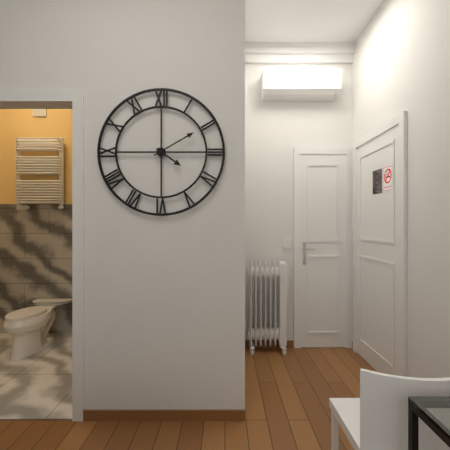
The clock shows **4:10**
